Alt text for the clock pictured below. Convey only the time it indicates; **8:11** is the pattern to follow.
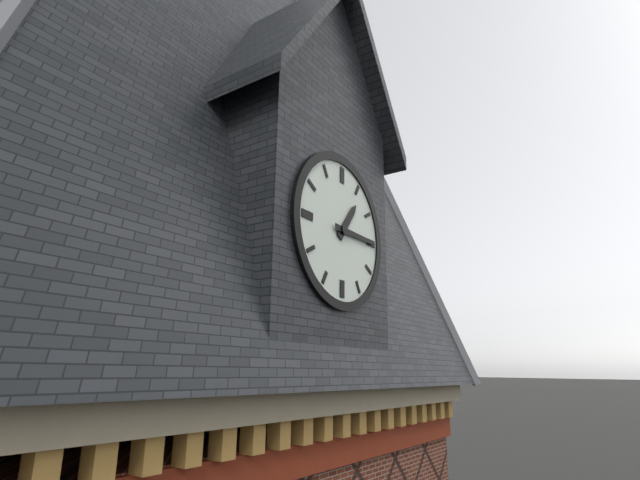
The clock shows **1:15**
